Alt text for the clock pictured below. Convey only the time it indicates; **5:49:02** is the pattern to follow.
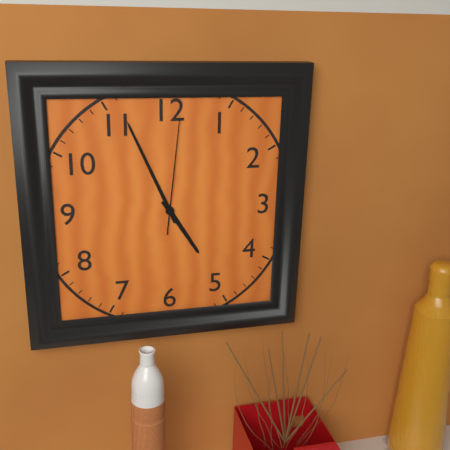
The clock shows **4:56:01**
